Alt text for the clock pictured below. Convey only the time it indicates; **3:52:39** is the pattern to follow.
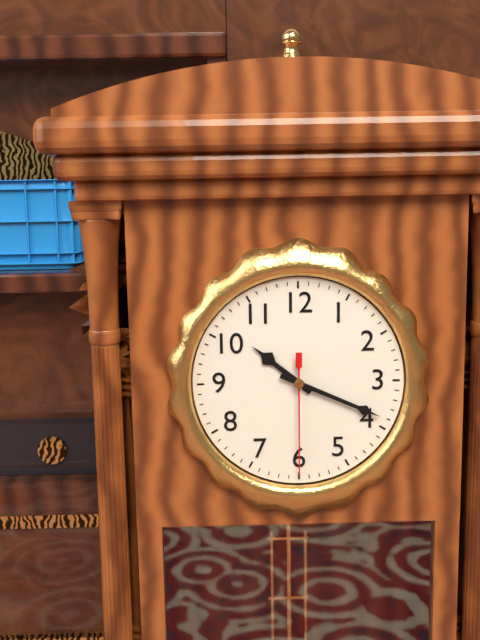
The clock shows **10:19:30**
